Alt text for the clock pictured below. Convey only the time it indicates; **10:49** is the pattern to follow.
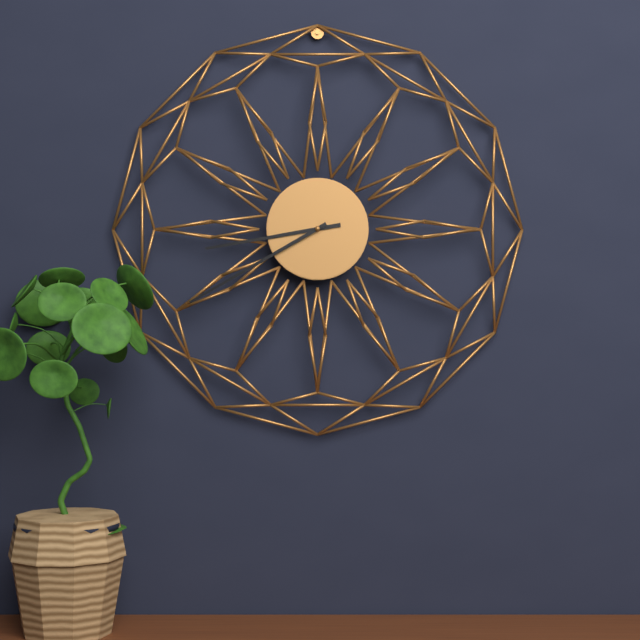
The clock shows **8:40**
